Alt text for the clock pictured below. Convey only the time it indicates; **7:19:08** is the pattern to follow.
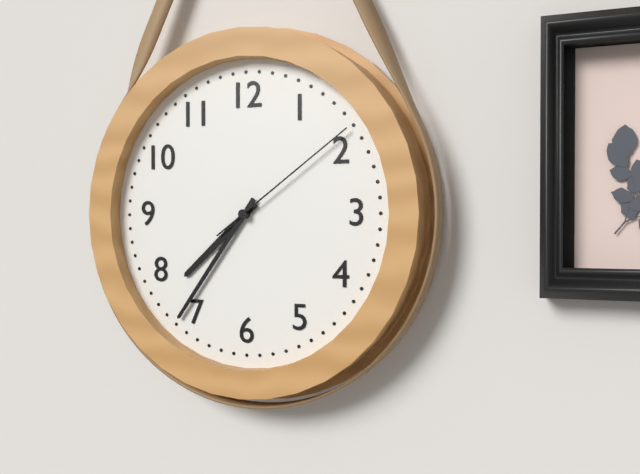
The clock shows **7:36:09**
